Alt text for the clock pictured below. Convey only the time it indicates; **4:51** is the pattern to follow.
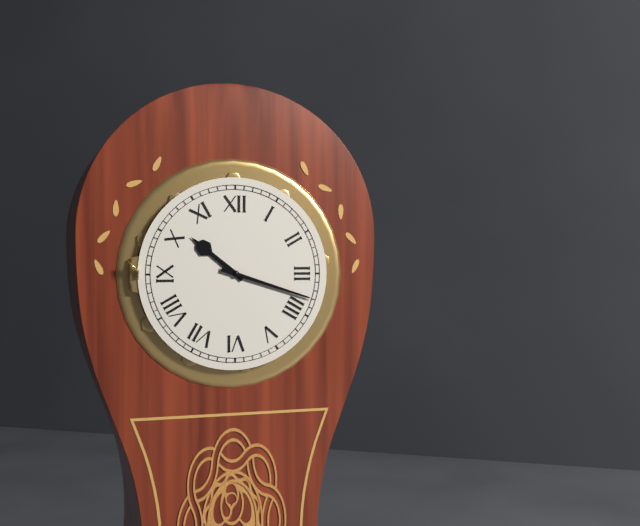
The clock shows **10:18**
